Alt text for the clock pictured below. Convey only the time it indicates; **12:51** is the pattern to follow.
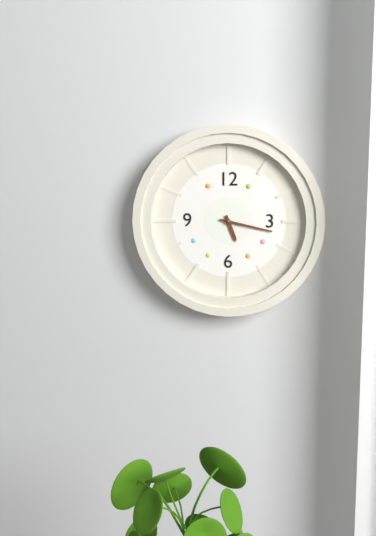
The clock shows **5:17**
